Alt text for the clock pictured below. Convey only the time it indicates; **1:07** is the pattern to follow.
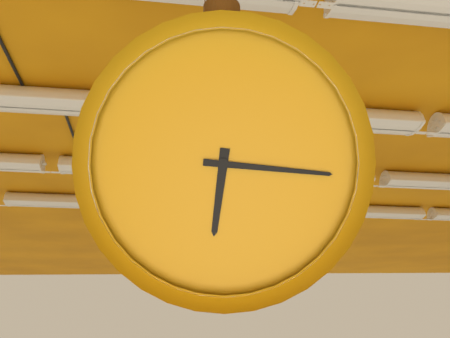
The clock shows **6:16**
